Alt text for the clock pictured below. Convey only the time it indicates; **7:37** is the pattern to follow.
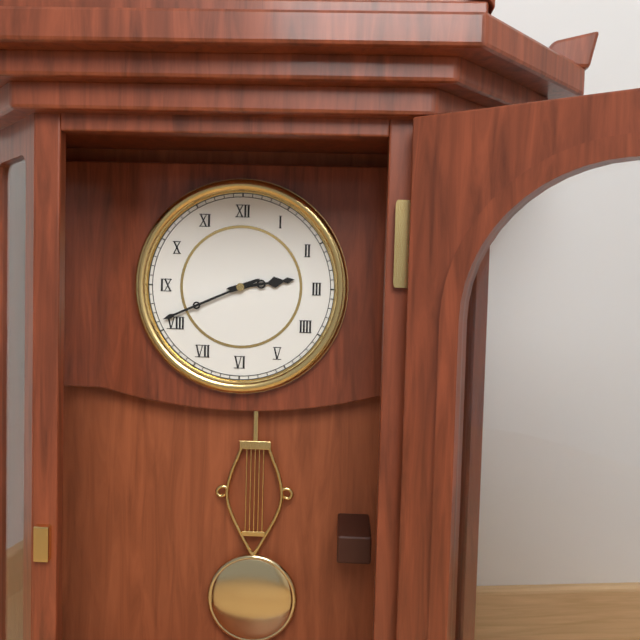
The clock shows **2:41**
